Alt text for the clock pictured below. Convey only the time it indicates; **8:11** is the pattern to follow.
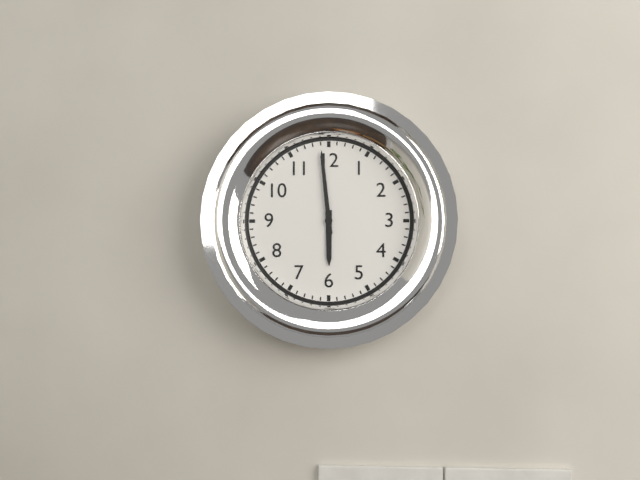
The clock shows **5:59**
